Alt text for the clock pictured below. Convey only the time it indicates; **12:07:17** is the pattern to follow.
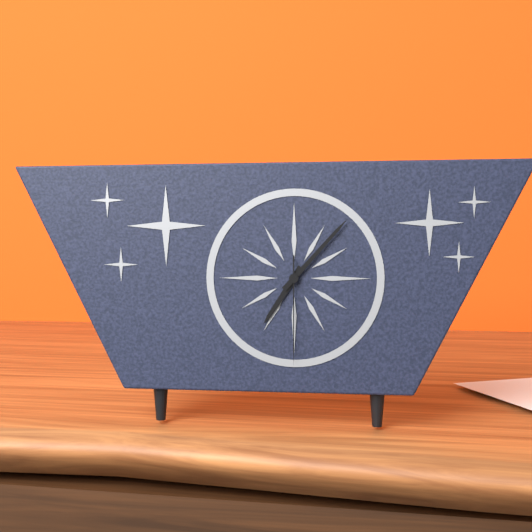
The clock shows **7:07:30**
